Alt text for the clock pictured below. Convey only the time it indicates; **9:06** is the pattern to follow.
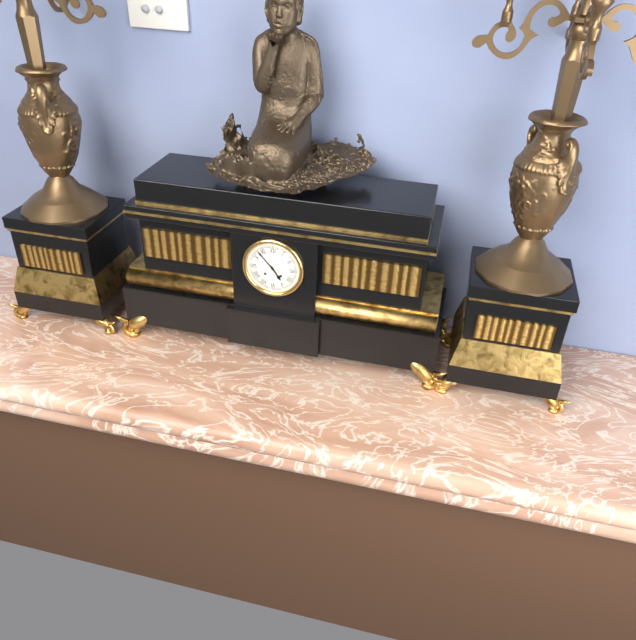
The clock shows **4:53**
